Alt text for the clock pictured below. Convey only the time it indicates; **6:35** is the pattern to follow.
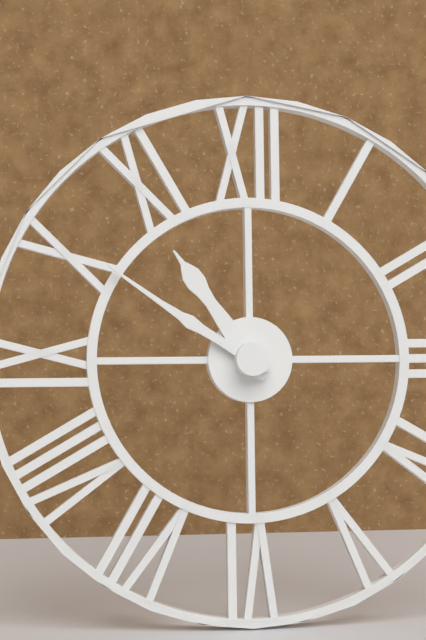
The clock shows **10:50**
